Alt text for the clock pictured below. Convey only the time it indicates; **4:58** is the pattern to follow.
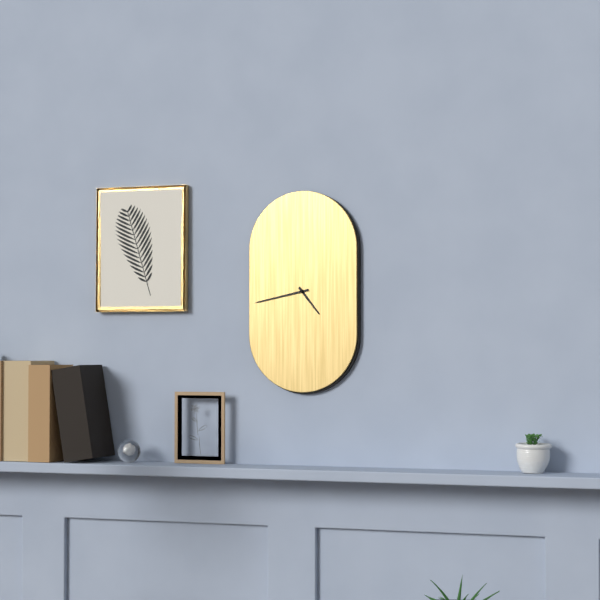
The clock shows **4:43**
